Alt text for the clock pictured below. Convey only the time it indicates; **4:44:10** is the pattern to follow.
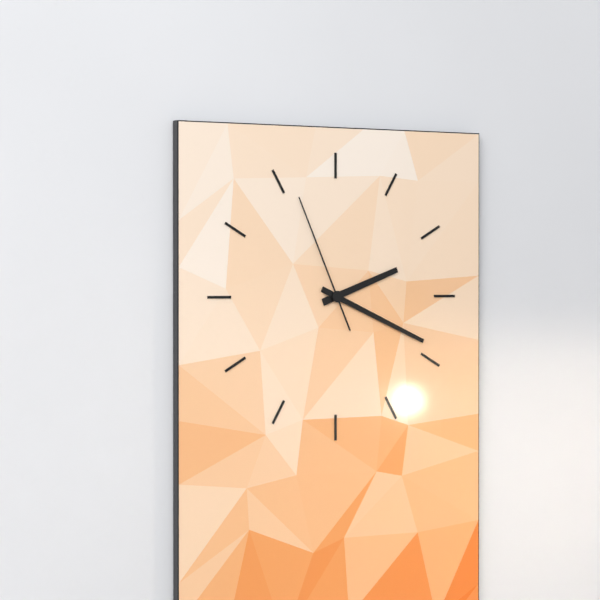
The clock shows **2:19:56**
